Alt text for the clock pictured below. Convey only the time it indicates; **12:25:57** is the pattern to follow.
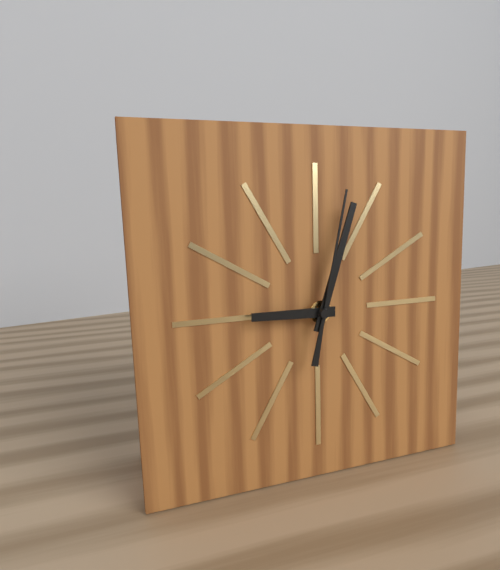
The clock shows **9:03:02**
